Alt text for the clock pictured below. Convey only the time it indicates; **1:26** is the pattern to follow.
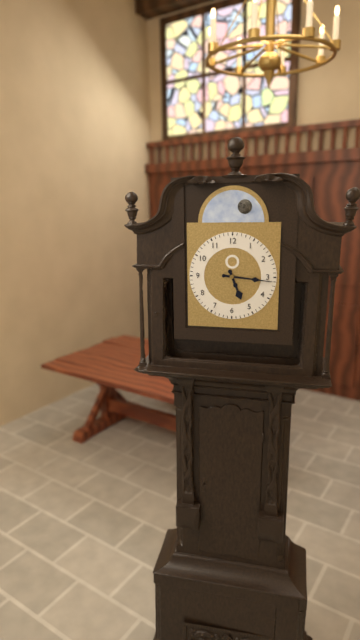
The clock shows **5:16**
